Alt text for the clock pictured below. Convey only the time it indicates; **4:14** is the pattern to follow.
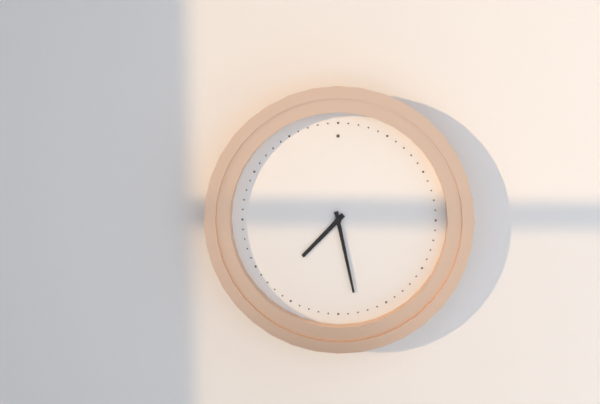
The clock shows **7:28**
